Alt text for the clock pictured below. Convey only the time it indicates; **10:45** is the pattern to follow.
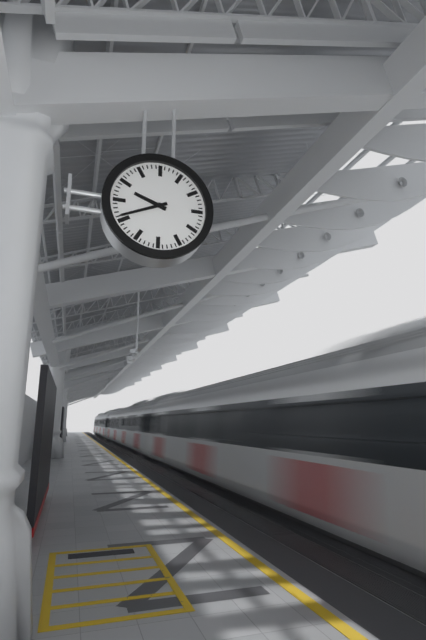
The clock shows **9:41**
